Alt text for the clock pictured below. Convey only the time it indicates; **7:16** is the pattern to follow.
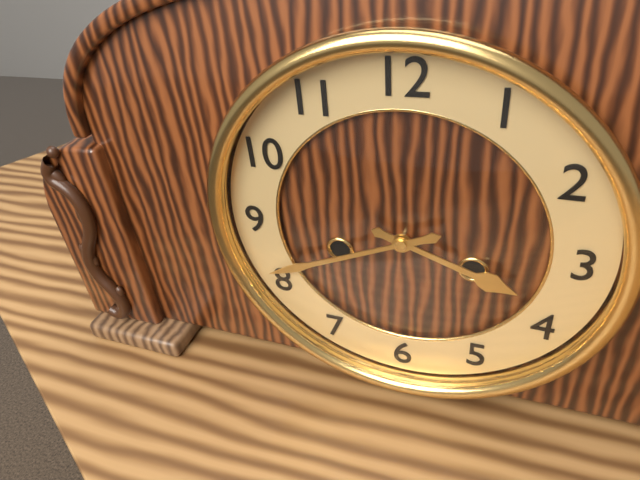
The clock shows **3:41**
